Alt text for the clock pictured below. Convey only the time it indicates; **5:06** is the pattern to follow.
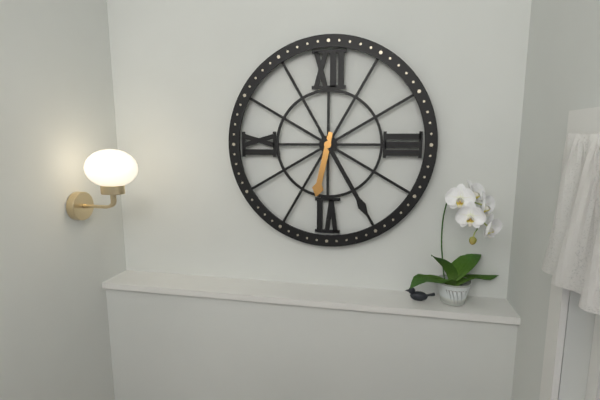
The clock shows **6:25**
